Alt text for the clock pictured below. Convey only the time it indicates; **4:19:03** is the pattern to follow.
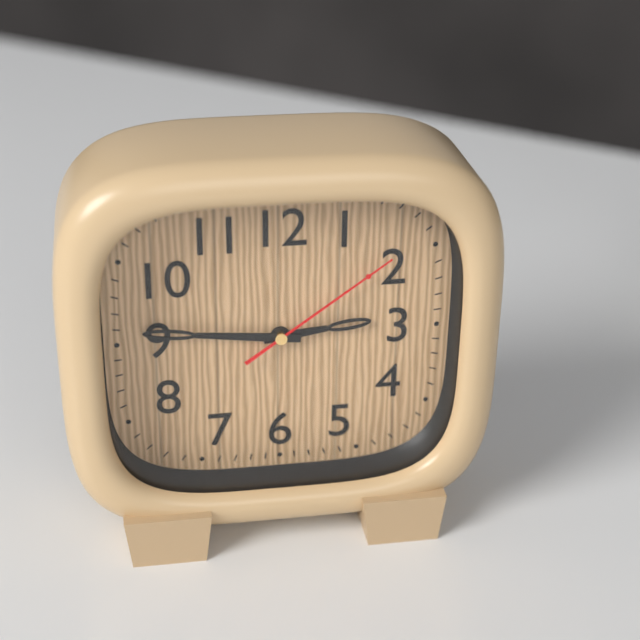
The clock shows **2:46:09**
